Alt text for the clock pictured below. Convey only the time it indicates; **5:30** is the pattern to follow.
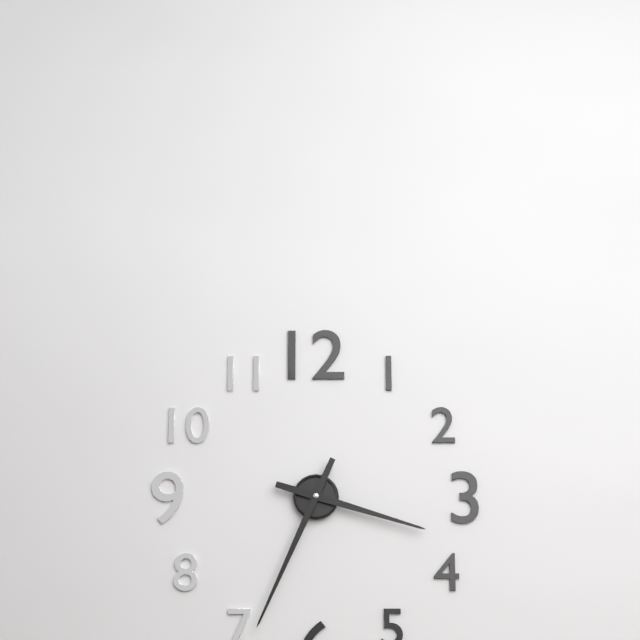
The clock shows **3:34**
